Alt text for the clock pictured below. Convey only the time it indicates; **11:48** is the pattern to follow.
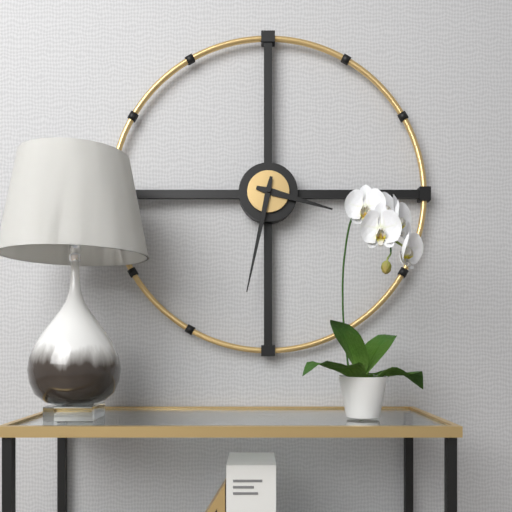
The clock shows **3:32**
